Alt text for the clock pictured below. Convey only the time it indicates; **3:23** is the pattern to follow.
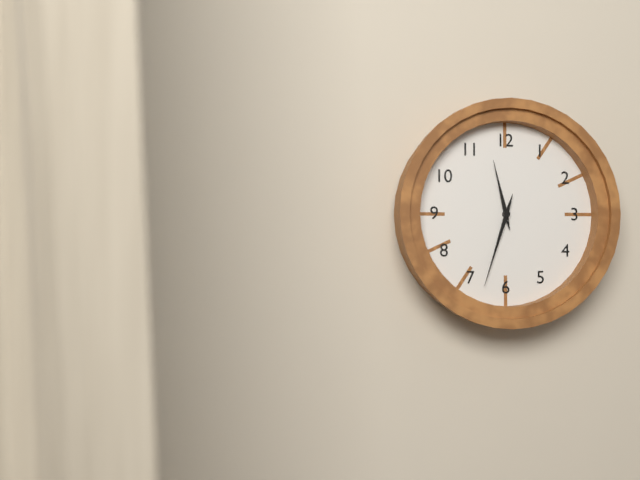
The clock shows **11:33**
